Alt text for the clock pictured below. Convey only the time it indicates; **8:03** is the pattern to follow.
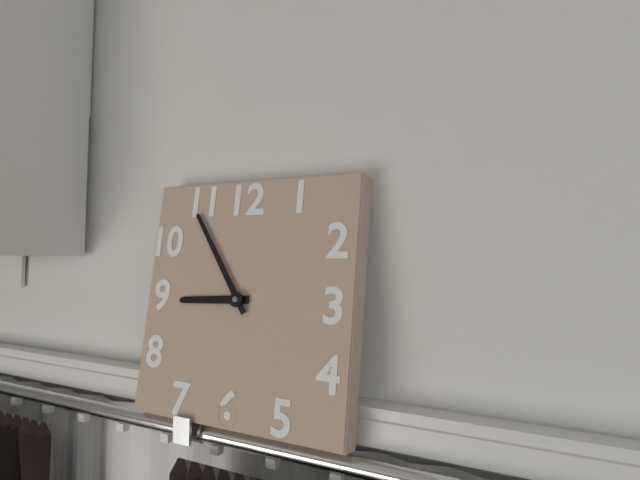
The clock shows **8:54**
